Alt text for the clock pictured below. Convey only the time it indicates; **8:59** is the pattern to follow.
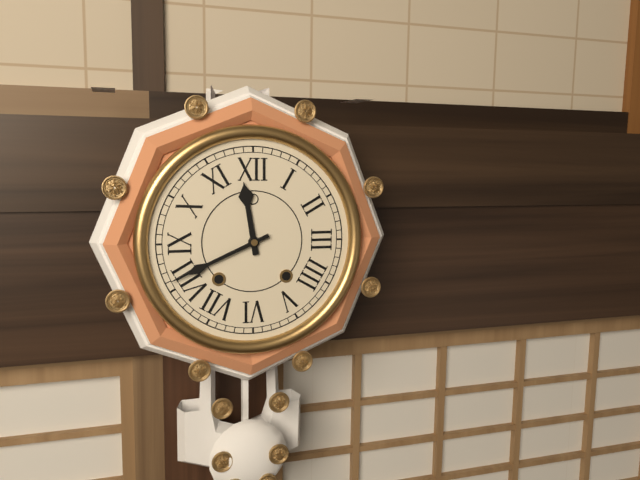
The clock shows **11:41**
